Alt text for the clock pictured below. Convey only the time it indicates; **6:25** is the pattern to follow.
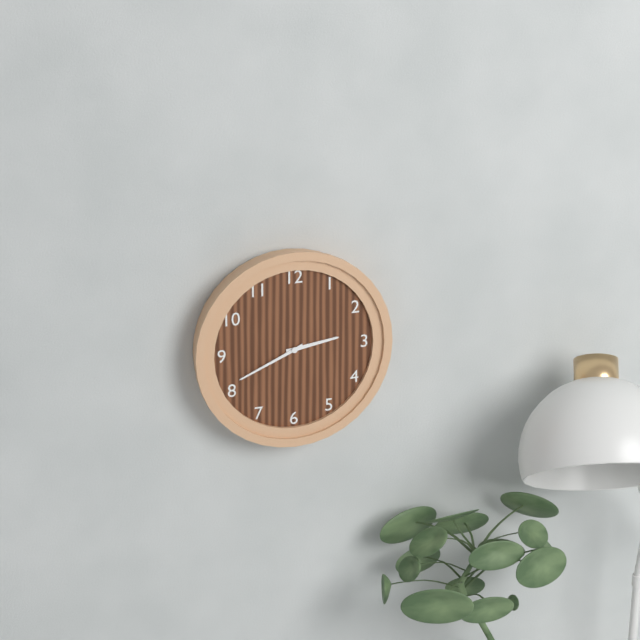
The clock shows **2:41**
